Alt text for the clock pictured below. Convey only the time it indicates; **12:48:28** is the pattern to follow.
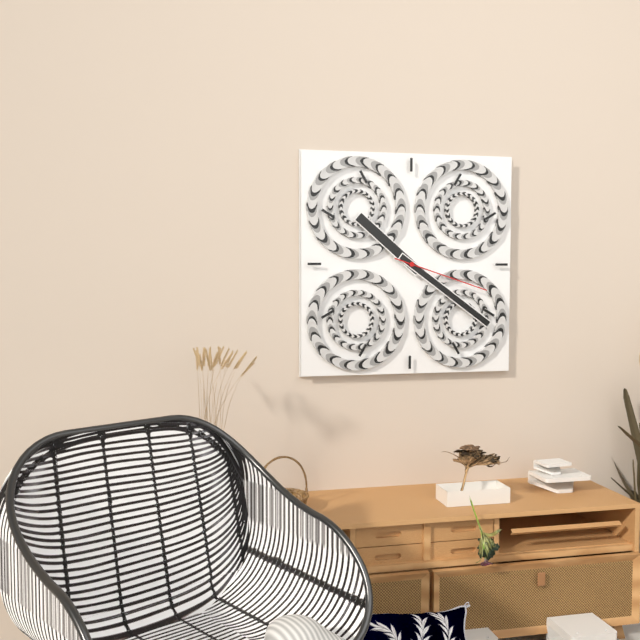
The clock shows **10:21:18**
